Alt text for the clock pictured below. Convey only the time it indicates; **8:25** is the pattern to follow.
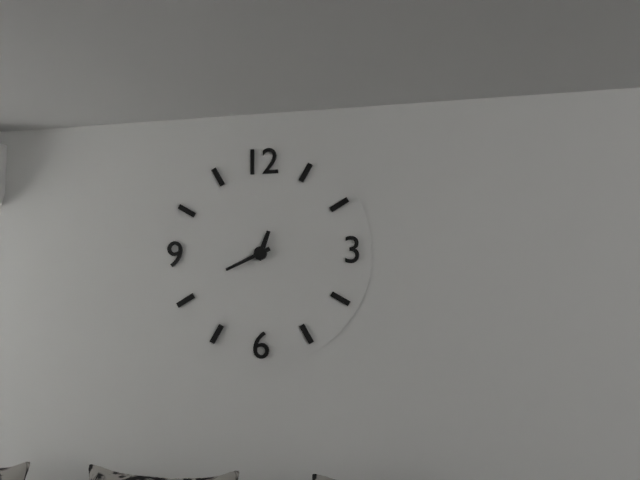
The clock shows **12:41**
